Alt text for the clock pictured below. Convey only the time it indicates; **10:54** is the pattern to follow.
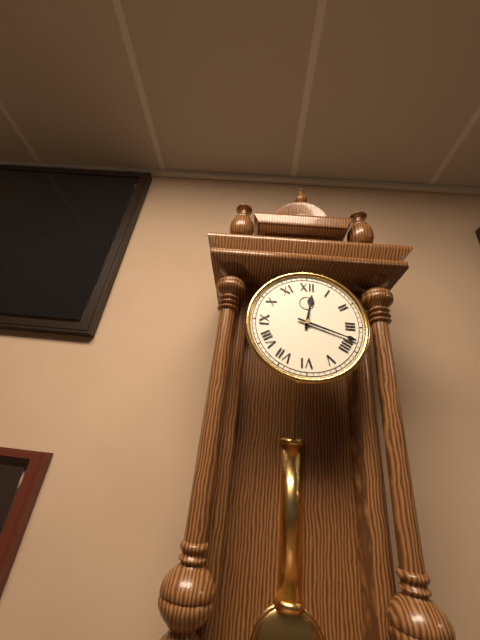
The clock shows **12:18**
